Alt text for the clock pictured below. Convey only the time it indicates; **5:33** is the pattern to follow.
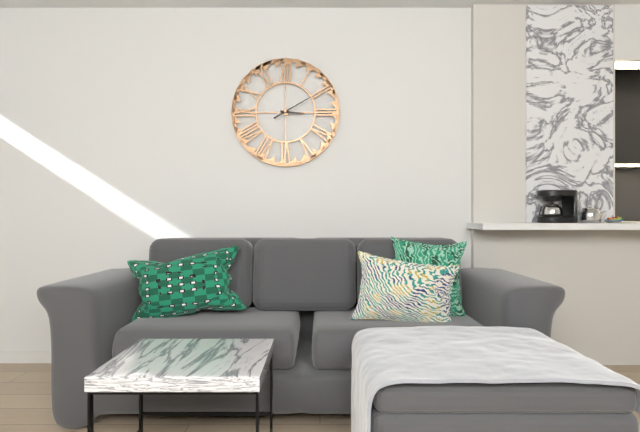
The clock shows **3:10**
